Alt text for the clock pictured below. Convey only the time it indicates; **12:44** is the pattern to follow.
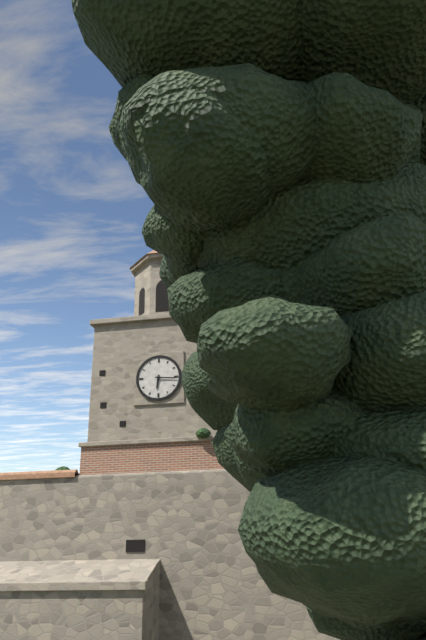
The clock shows **6:16**
